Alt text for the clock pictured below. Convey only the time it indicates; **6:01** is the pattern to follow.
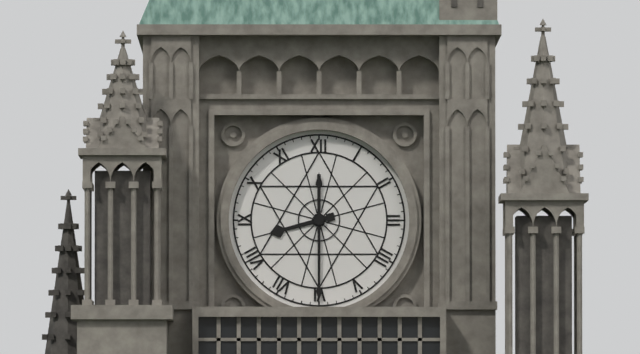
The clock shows **8:30**
